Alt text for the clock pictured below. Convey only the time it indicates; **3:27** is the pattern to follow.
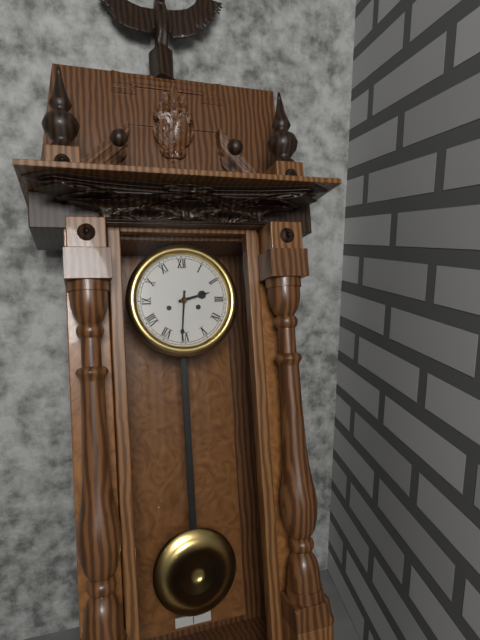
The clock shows **2:31**
